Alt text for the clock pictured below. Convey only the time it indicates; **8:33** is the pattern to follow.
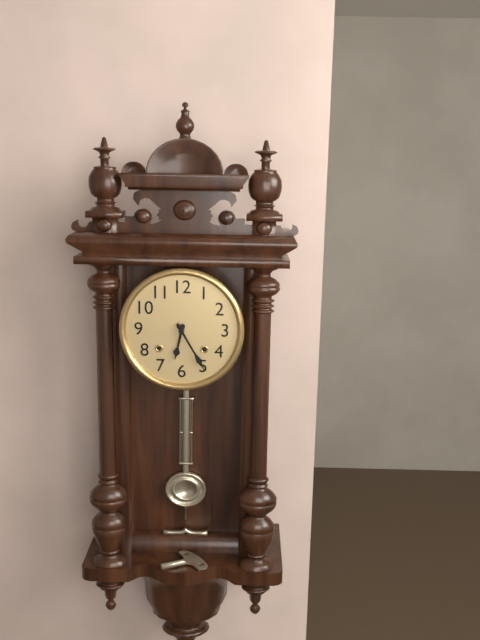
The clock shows **6:25**
